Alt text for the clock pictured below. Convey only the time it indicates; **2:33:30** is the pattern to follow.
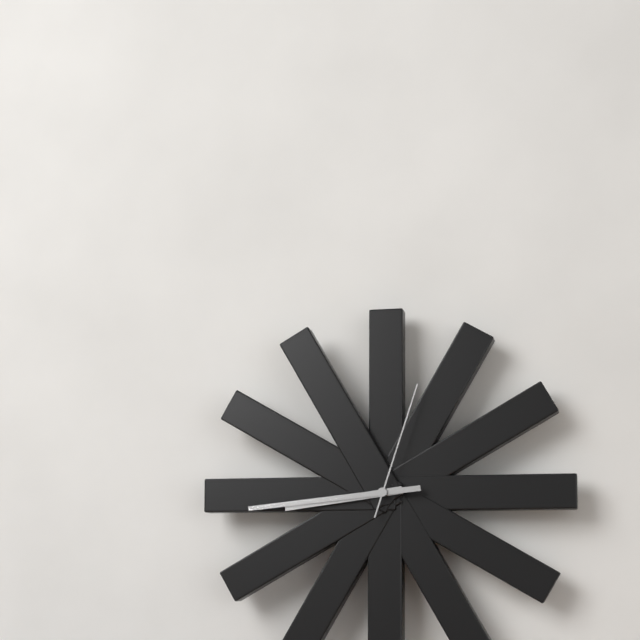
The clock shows **8:44:03**
